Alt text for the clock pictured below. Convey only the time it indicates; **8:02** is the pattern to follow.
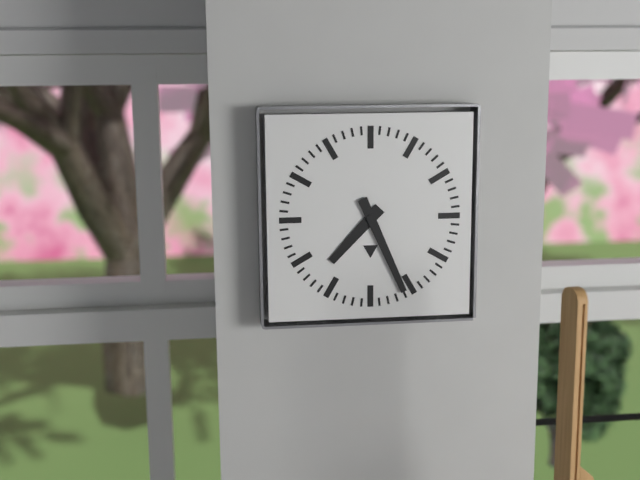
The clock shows **7:26**
